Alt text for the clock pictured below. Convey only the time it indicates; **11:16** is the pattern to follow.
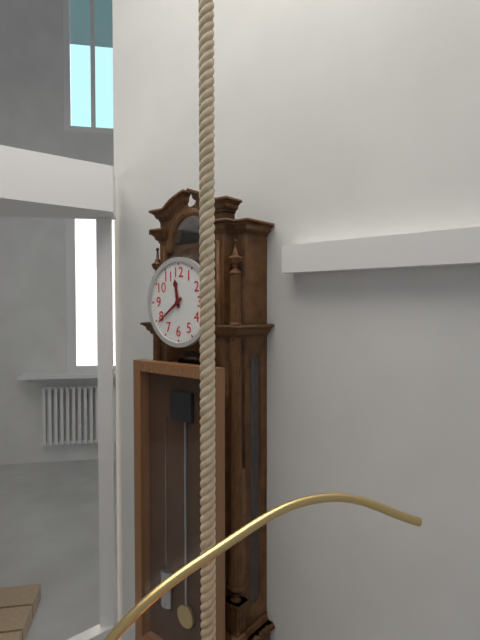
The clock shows **11:39**
